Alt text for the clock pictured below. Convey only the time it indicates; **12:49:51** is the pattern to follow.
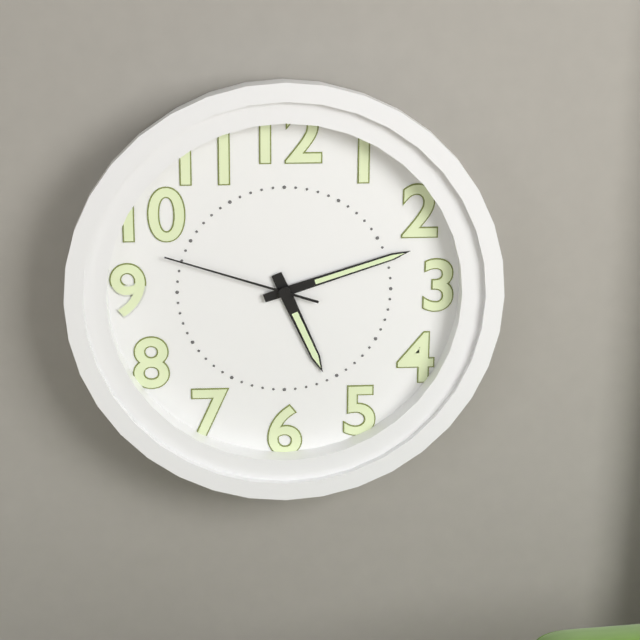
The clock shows **5:12:48**
